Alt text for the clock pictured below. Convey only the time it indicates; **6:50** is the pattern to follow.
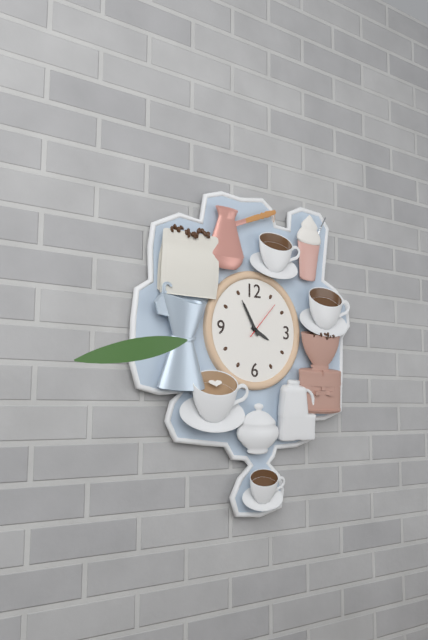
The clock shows **3:55**
